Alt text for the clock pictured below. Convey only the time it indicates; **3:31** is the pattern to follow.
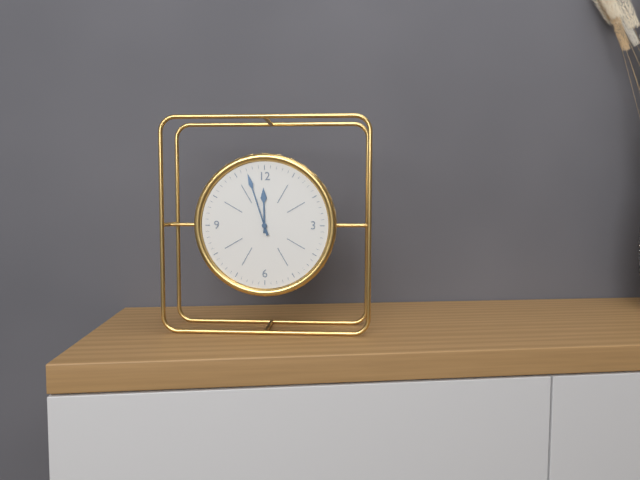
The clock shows **11:57**
